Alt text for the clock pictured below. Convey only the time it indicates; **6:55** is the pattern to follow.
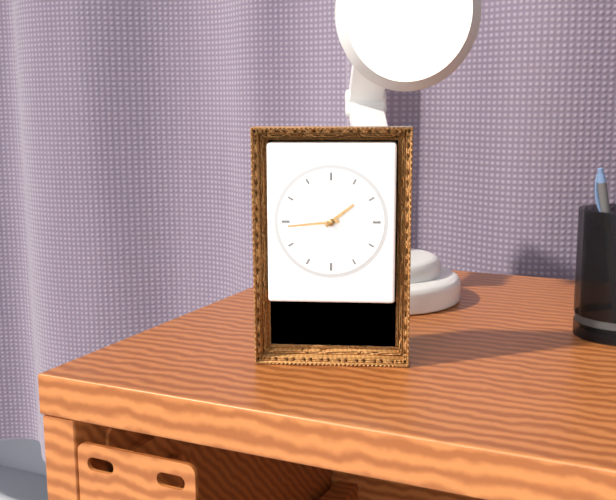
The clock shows **1:44**
